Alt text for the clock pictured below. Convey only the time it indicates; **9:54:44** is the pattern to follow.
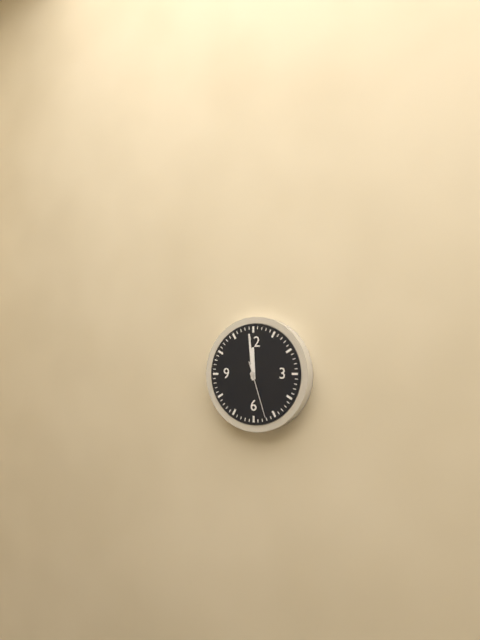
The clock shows **11:59:27**
